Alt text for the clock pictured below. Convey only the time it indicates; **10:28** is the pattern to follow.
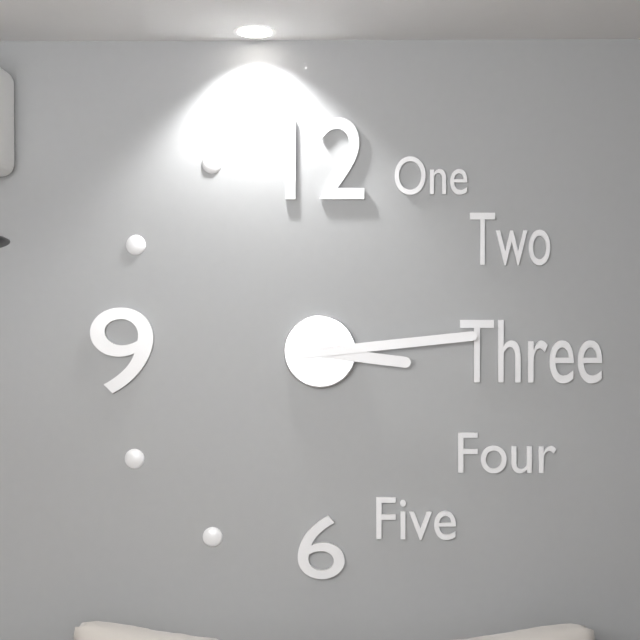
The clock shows **3:14**
